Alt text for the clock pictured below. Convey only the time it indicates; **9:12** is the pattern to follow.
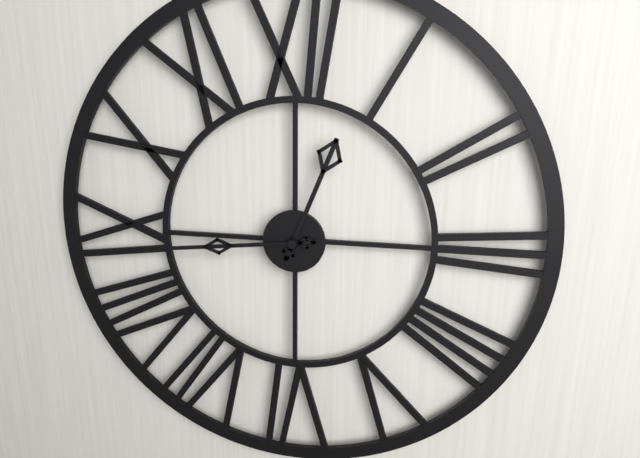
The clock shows **12:44**
